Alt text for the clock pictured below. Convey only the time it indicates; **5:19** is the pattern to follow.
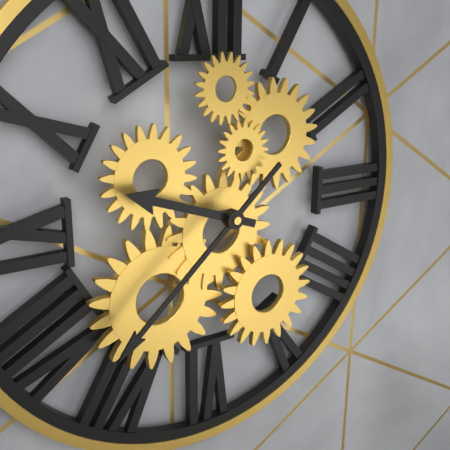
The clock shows **9:38**
